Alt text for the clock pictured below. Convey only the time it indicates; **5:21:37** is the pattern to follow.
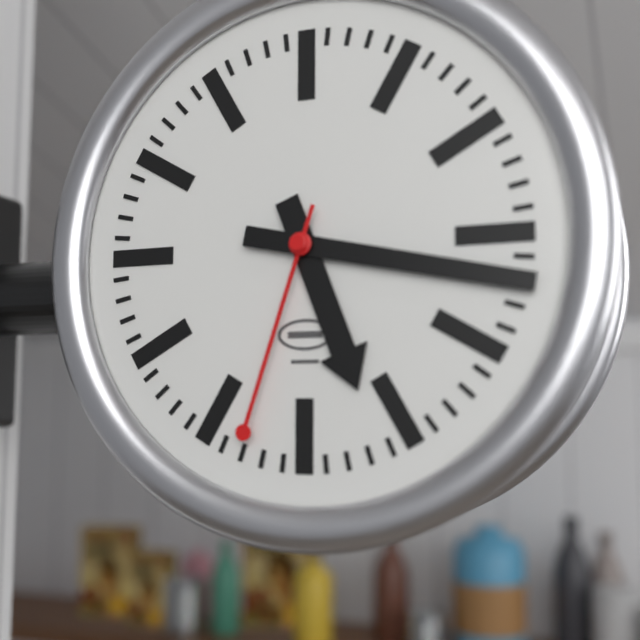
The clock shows **5:17:33**
